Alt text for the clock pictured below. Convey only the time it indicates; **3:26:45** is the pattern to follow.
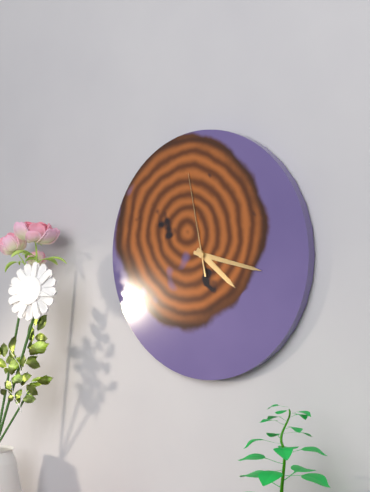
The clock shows **4:17:58**
